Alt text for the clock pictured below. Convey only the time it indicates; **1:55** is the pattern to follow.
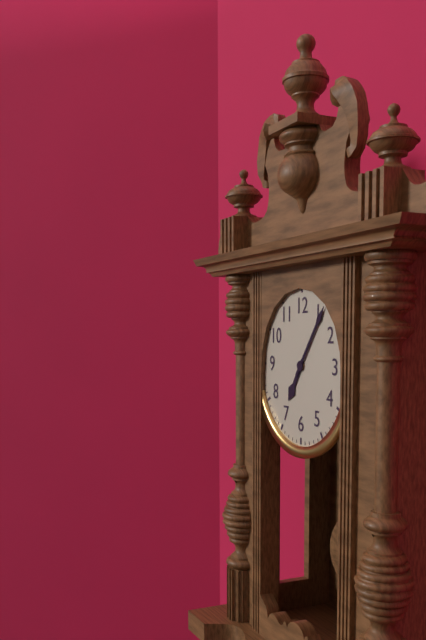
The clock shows **7:06**
